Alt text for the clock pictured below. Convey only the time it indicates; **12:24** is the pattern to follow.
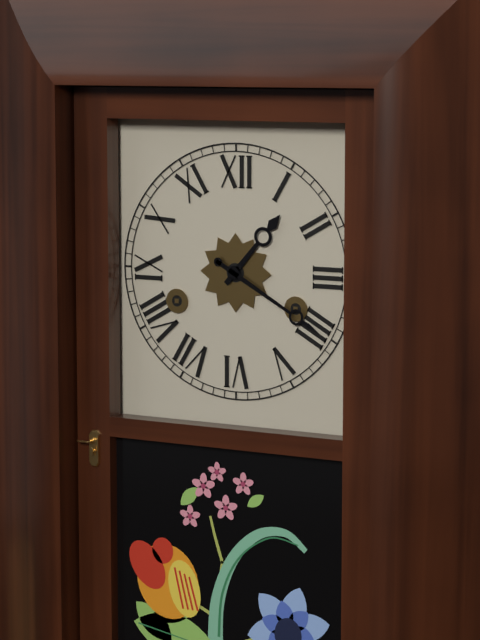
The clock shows **1:20**
